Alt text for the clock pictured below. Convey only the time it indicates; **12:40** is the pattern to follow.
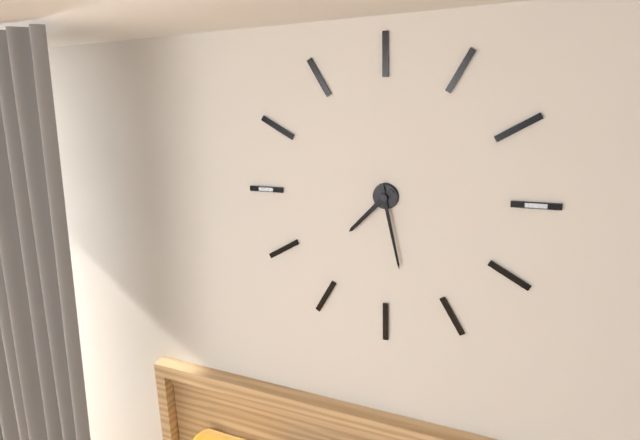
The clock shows **7:28**
